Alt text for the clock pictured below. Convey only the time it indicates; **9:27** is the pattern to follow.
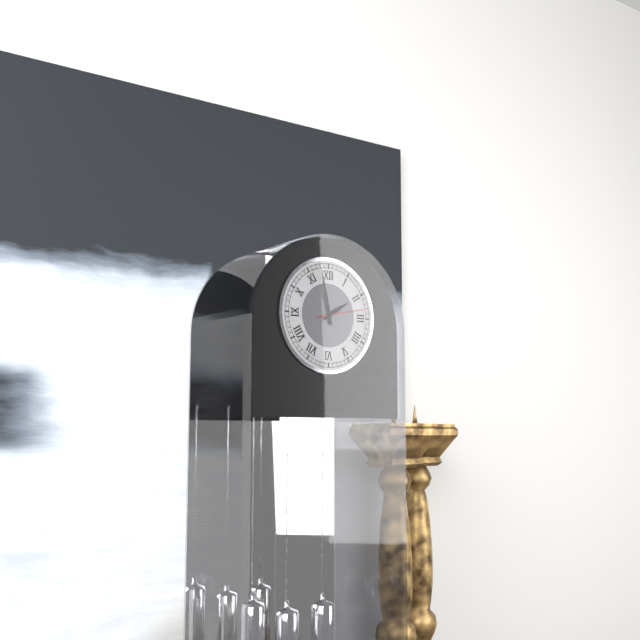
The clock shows **1:58**
